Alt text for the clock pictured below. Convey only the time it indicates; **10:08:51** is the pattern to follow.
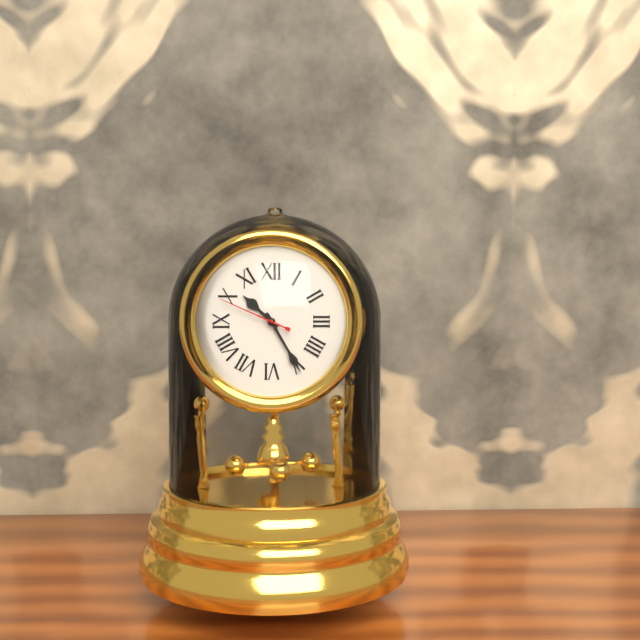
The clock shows **10:25:49**
